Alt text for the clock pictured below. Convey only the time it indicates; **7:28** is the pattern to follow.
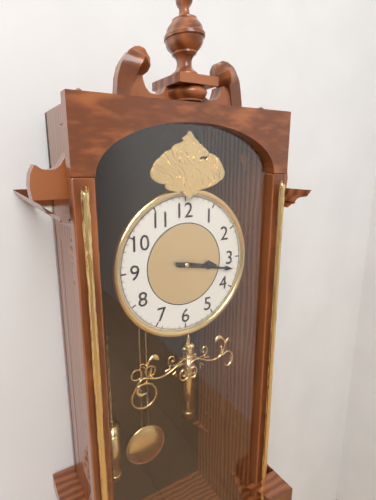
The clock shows **3:17**
